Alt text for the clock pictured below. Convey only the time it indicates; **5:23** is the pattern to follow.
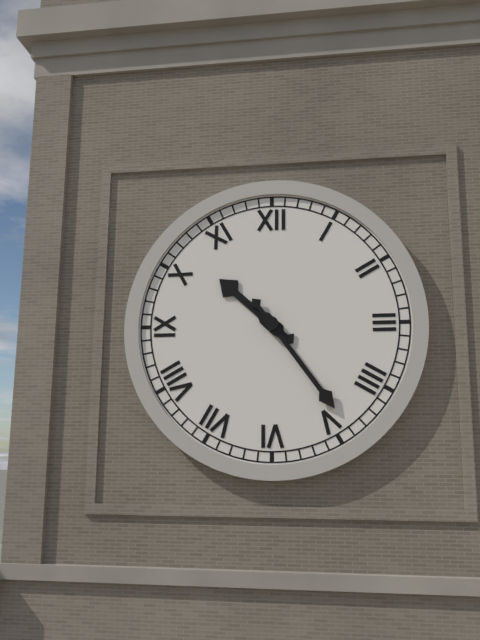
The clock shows **10:24**
